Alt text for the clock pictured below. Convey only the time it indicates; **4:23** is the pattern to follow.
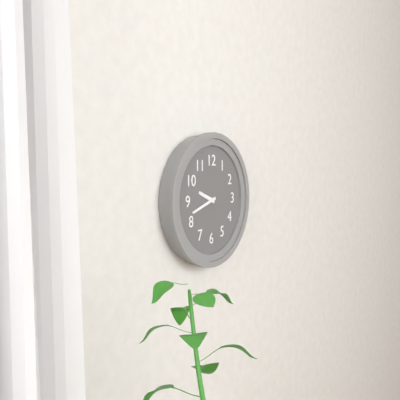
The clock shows **9:42**
